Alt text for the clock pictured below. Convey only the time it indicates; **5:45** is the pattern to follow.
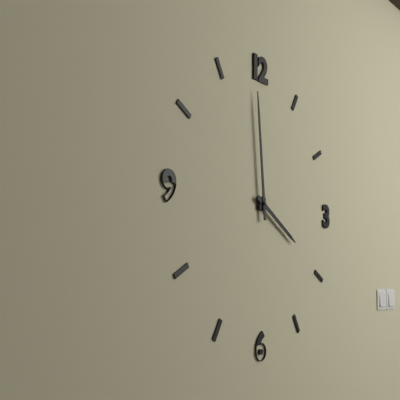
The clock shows **3:59**
